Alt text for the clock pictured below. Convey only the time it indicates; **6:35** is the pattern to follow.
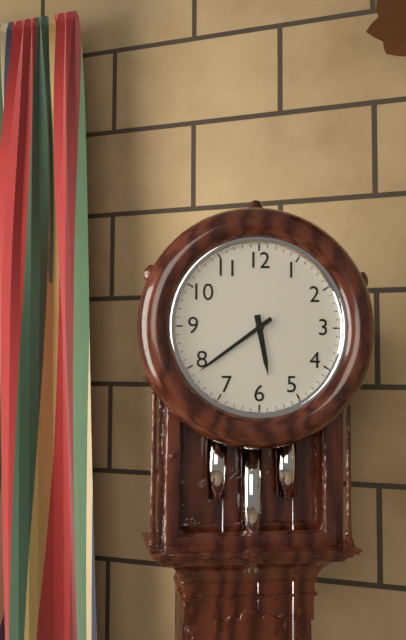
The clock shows **5:39**
